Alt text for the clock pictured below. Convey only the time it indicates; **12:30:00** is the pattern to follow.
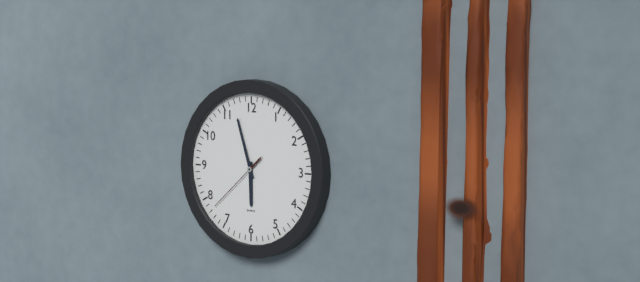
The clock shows **5:57:38**
